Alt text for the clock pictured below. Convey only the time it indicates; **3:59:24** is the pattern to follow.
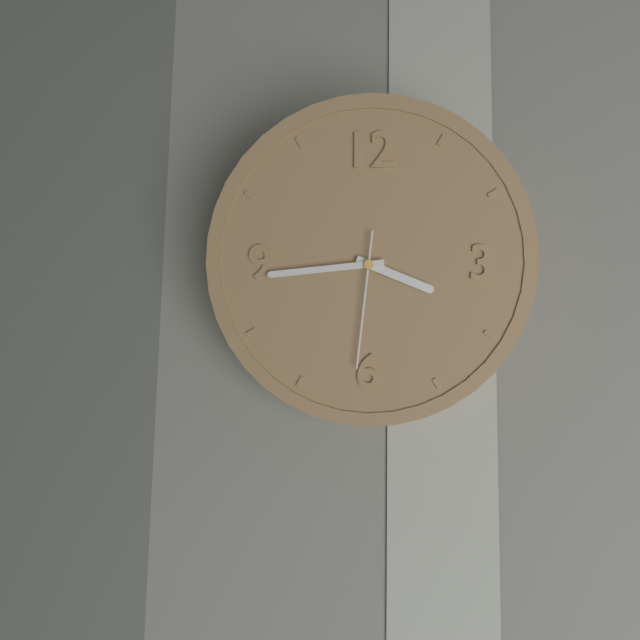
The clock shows **3:44:31**
